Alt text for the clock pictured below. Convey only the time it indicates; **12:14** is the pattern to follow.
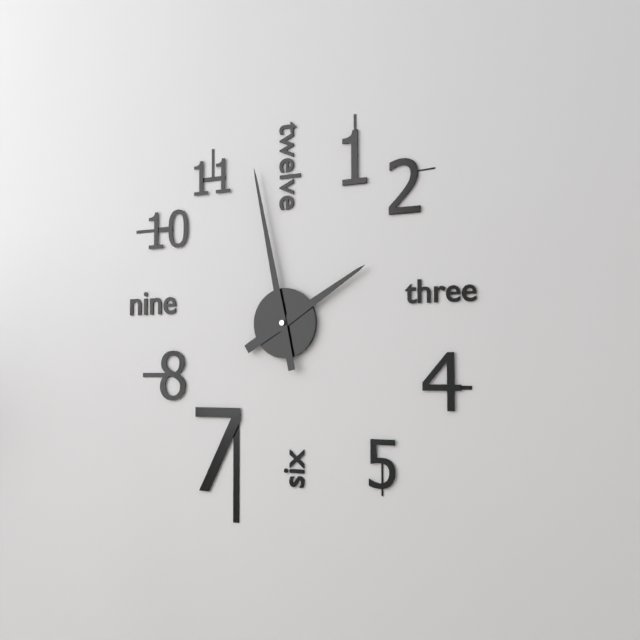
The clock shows **1:58**
